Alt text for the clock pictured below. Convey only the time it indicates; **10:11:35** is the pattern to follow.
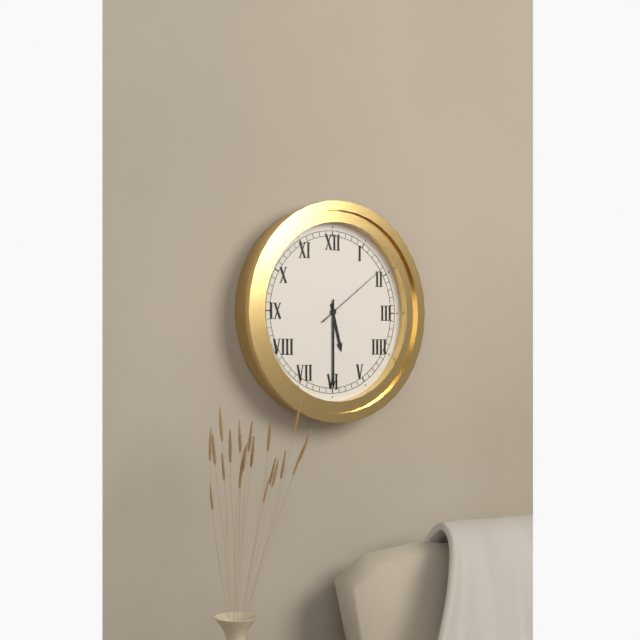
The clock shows **5:30:09**
